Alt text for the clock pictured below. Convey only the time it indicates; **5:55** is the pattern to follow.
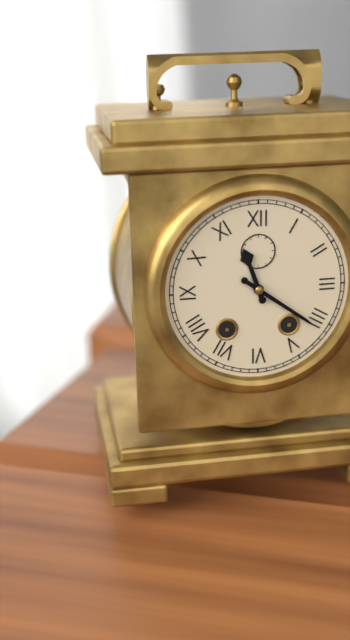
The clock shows **11:21**
